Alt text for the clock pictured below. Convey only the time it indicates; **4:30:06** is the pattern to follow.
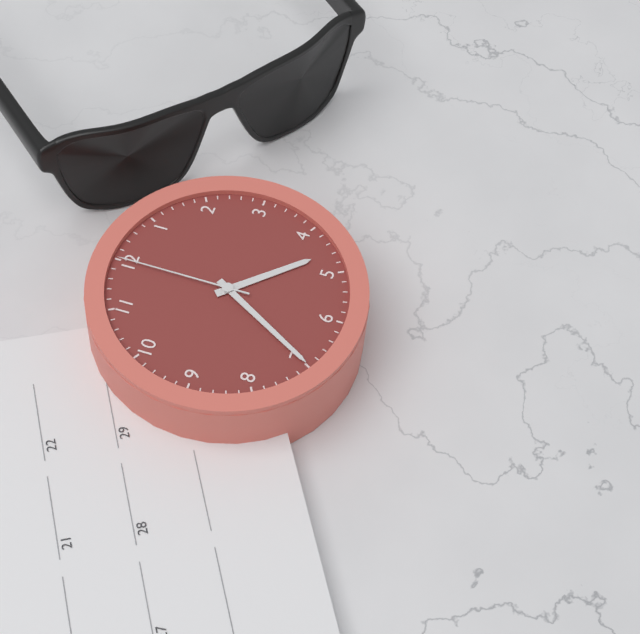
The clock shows **4:35:00**
